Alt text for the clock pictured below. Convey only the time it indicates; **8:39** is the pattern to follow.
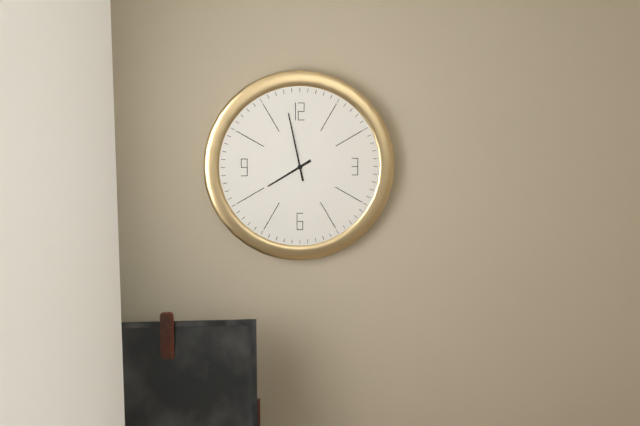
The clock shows **7:58**
